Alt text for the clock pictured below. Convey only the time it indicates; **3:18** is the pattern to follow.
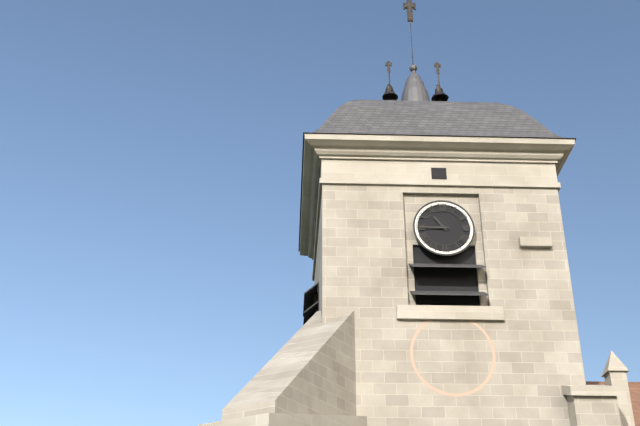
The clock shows **10:45**
